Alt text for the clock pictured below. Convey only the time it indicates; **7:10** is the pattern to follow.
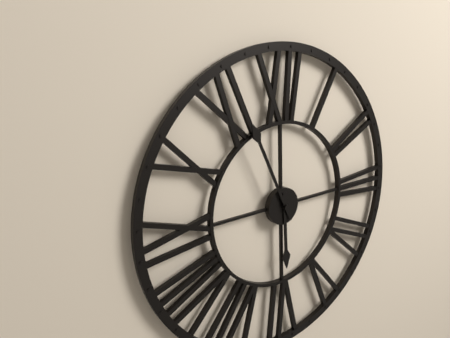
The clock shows **5:56**
